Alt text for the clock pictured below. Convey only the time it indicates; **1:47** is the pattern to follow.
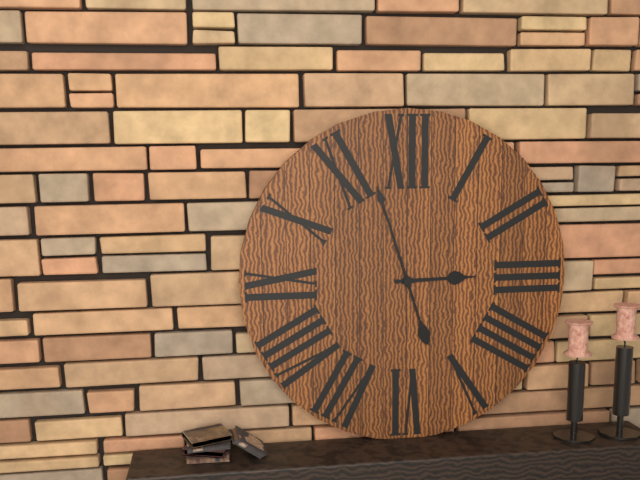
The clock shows **2:57**
